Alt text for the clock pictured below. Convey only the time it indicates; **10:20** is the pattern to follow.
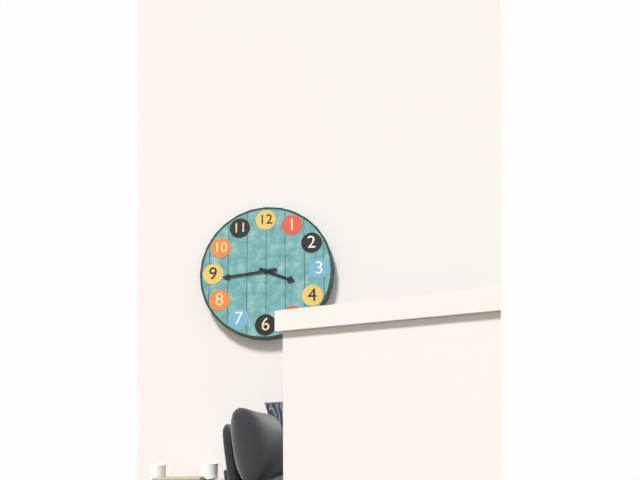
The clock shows **3:44**
